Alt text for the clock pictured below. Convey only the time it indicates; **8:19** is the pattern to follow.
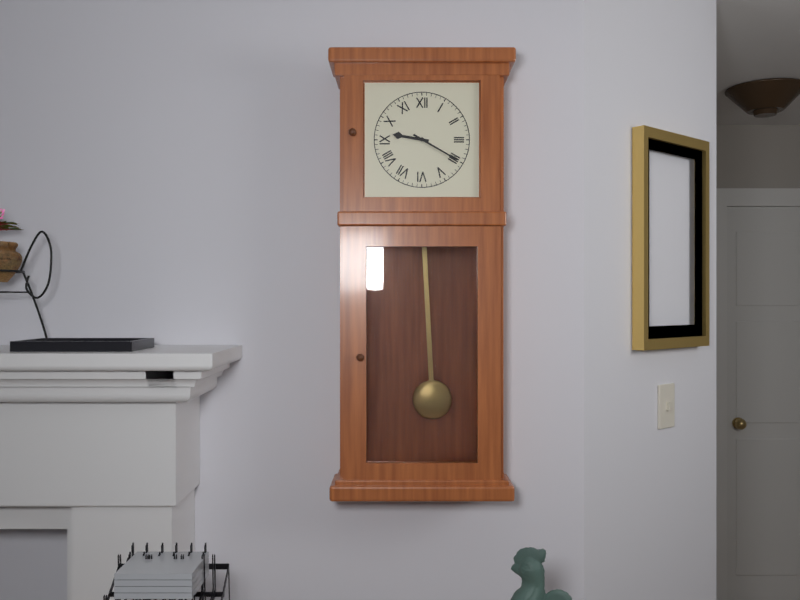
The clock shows **9:20**
